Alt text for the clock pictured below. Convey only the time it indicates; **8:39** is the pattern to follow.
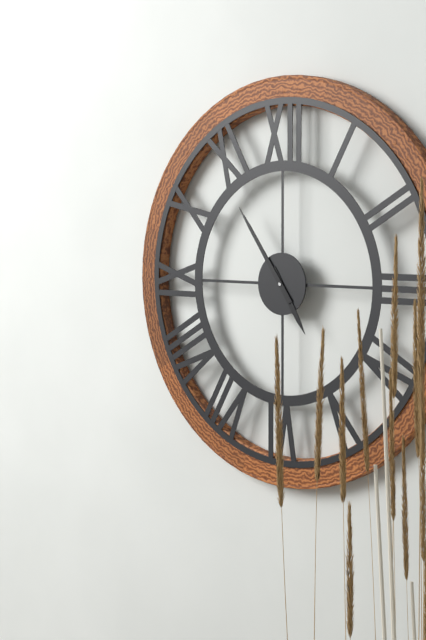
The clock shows **4:54**
